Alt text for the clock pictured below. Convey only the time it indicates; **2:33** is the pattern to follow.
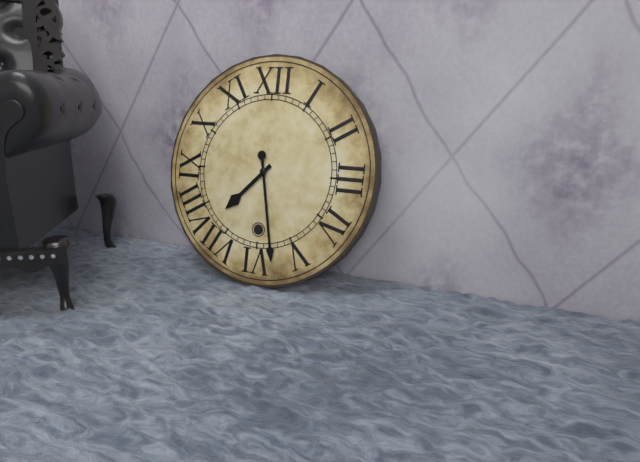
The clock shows **7:28**
